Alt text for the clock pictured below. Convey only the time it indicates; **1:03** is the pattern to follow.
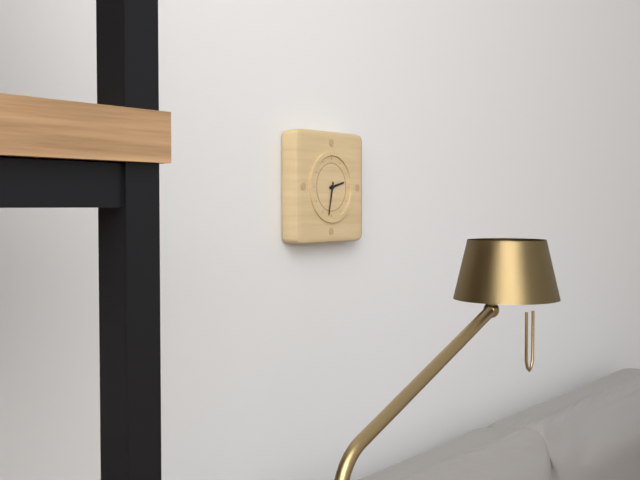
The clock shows **2:32**
